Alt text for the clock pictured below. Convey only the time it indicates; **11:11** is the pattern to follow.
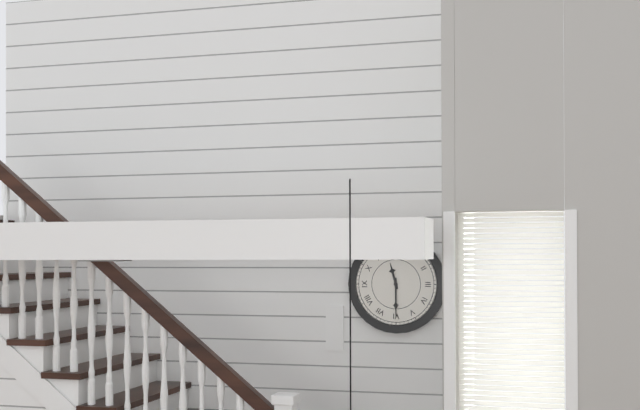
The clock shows **11:30**
